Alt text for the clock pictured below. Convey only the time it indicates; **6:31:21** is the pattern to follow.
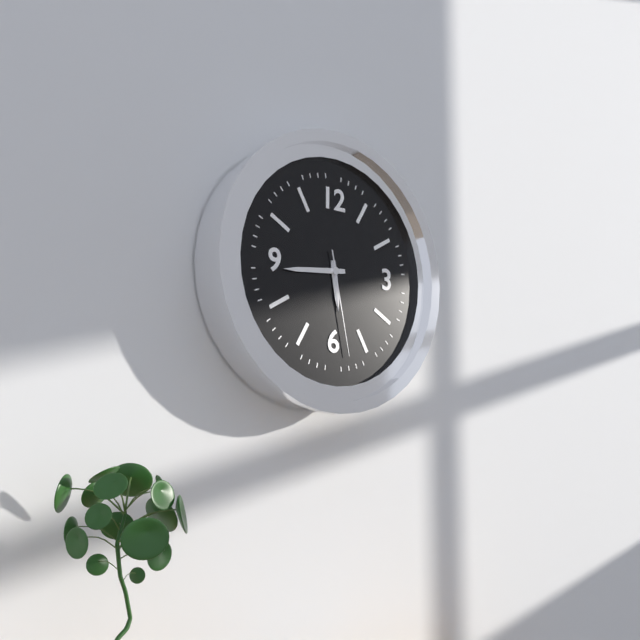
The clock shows **5:44:28**
